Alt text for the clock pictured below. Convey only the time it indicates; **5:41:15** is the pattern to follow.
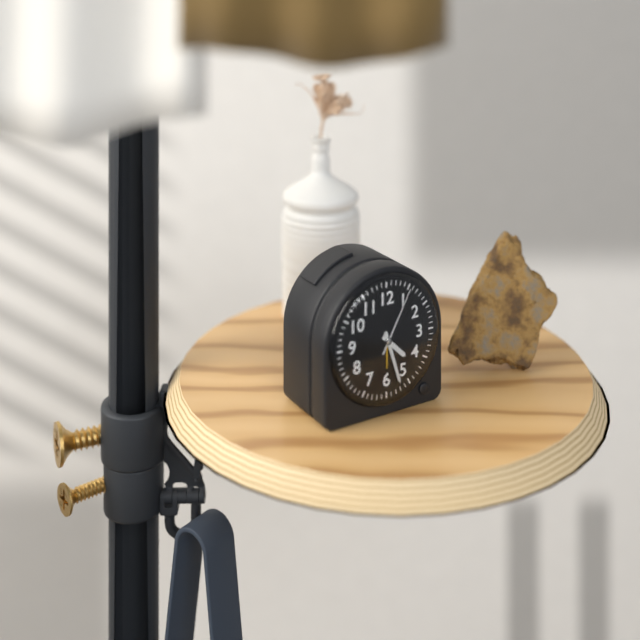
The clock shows **4:27:05**
